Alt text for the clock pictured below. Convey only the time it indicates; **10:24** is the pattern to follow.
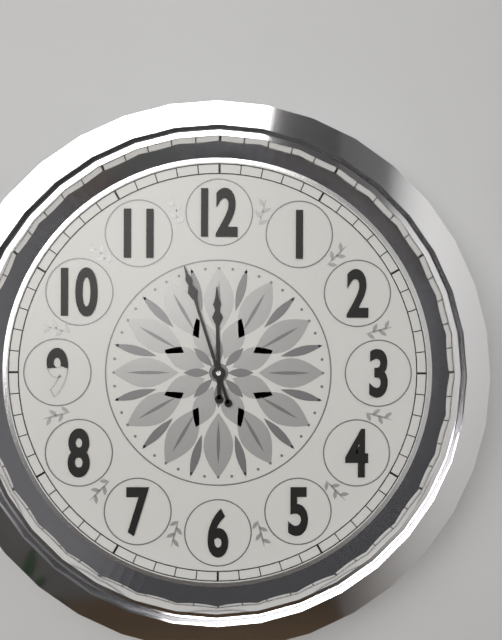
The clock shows **11:57**
